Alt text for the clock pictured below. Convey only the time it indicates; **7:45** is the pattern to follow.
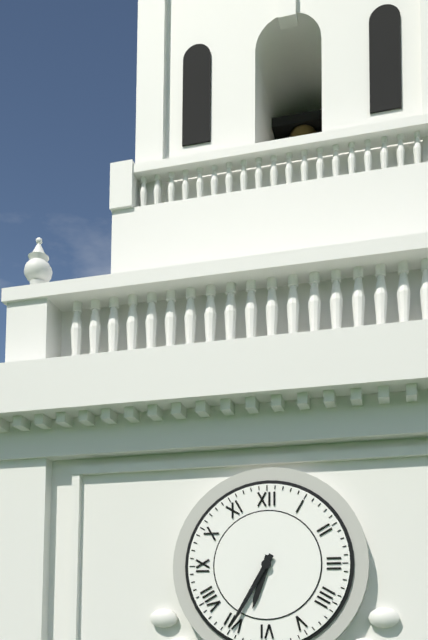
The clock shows **6:35**
